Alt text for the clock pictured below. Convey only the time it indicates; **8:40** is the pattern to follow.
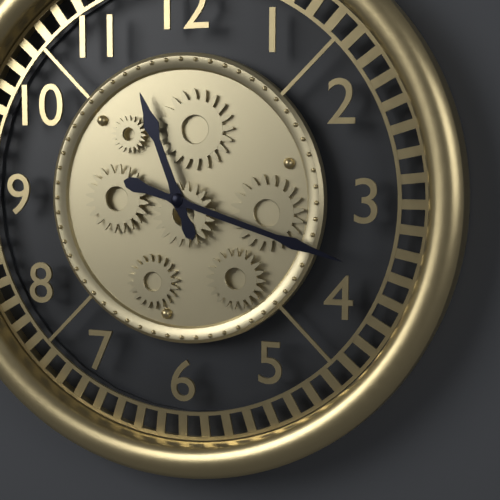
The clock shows **11:18**
